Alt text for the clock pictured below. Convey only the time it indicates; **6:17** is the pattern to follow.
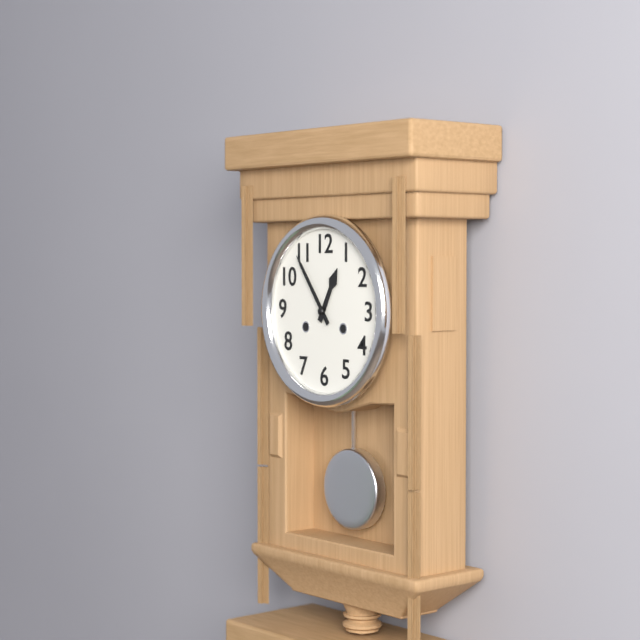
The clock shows **12:54**
